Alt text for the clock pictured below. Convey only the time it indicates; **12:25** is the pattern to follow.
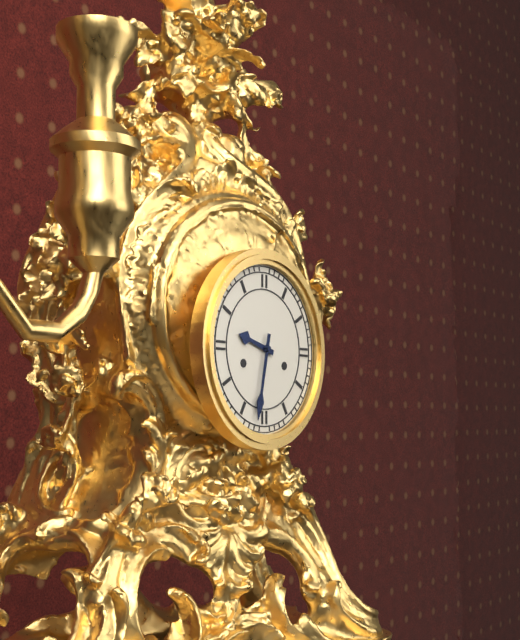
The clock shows **9:32**
